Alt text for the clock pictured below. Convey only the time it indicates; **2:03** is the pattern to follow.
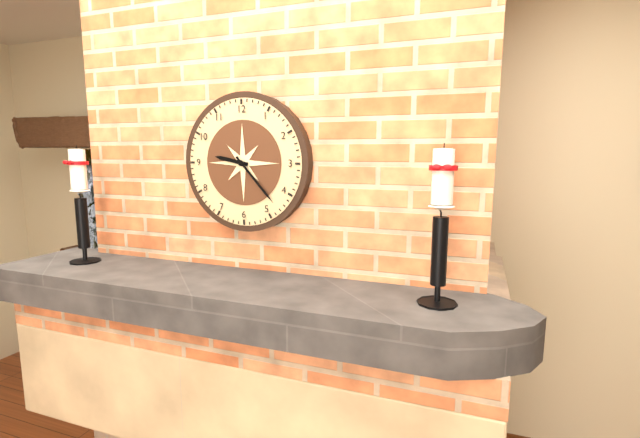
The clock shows **9:23**
